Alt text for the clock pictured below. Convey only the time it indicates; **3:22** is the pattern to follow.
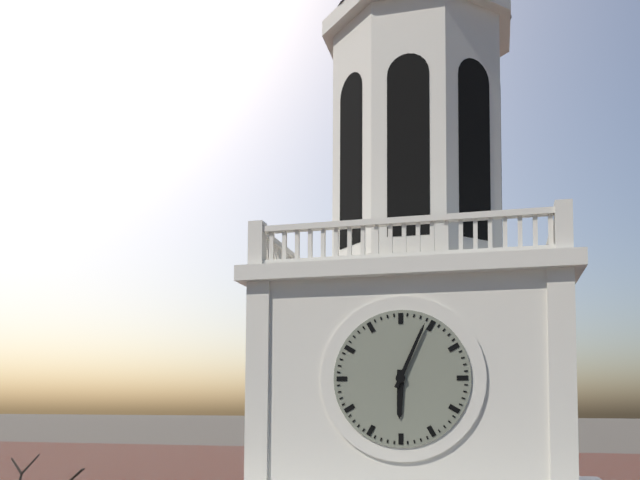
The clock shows **6:04**
